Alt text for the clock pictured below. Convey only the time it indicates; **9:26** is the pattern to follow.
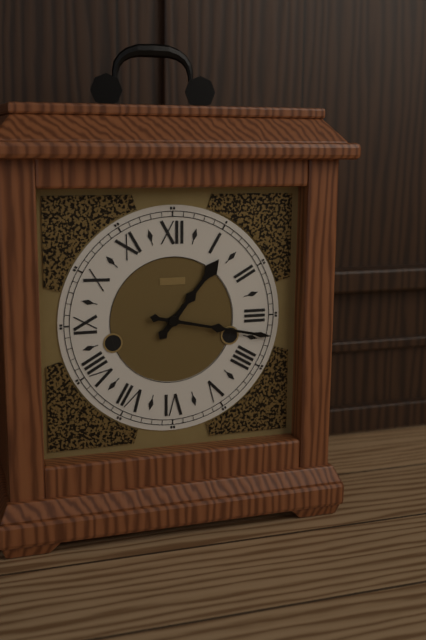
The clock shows **1:17**
